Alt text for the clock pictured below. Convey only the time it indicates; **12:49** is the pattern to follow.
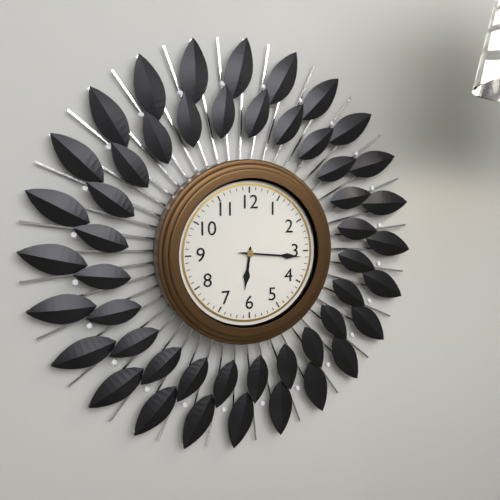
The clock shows **6:16**
